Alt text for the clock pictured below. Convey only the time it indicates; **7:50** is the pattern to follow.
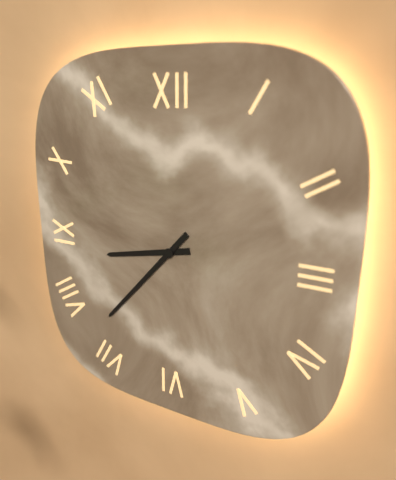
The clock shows **8:37**
